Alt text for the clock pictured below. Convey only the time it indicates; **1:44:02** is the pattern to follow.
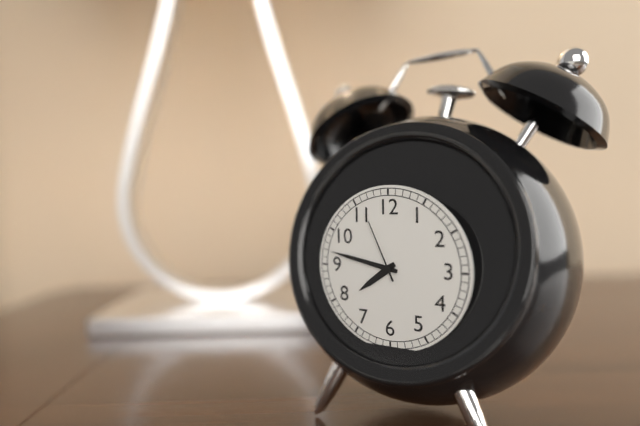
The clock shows **7:47:56**
